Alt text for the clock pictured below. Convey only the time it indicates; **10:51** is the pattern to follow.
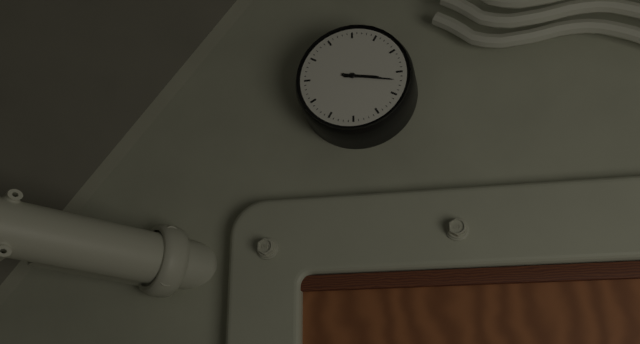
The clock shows **3:17**
